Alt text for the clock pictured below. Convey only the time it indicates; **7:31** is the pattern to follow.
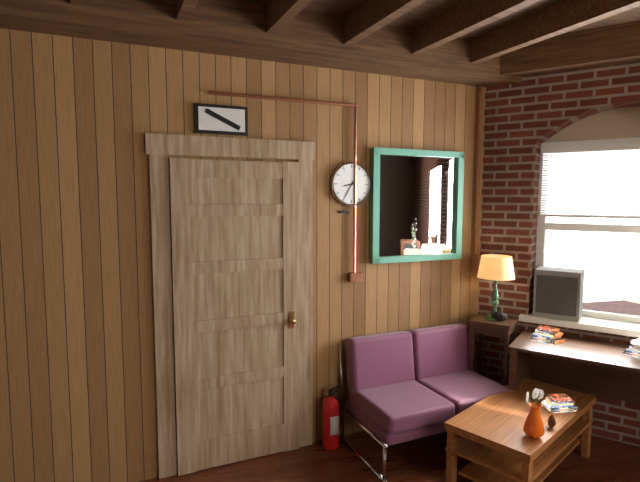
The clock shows **8:35**
